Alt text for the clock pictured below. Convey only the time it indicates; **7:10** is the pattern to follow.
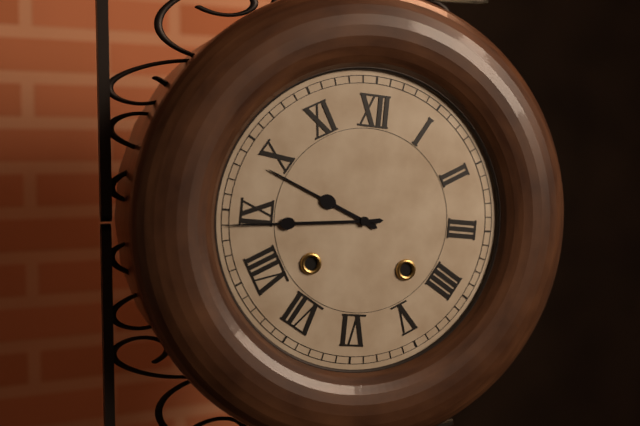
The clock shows **9:44**
